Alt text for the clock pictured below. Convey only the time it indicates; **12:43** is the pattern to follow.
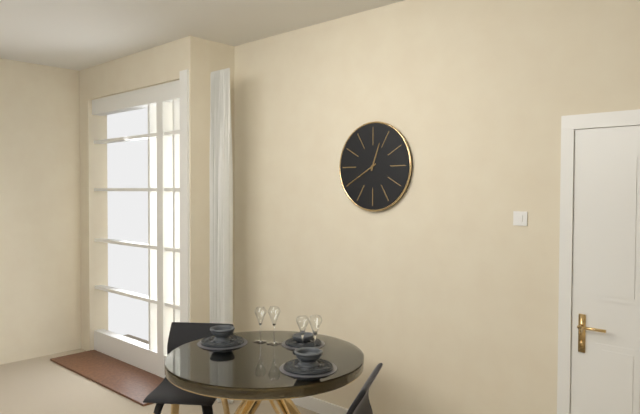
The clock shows **12:40**
